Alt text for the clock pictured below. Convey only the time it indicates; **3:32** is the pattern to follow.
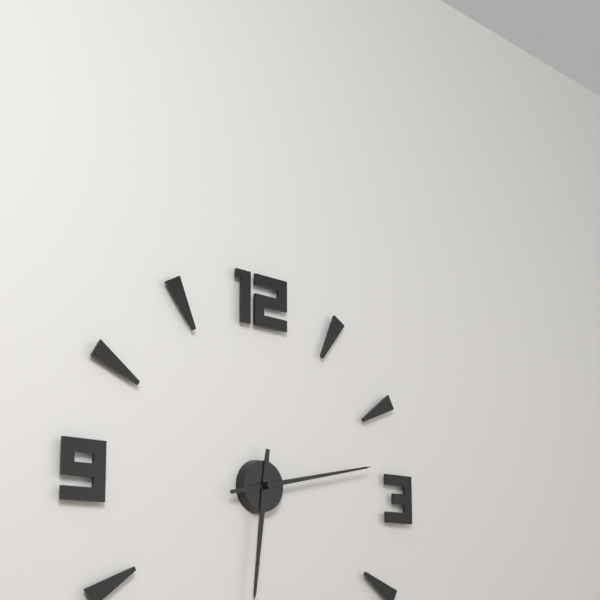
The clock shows **6:13**
